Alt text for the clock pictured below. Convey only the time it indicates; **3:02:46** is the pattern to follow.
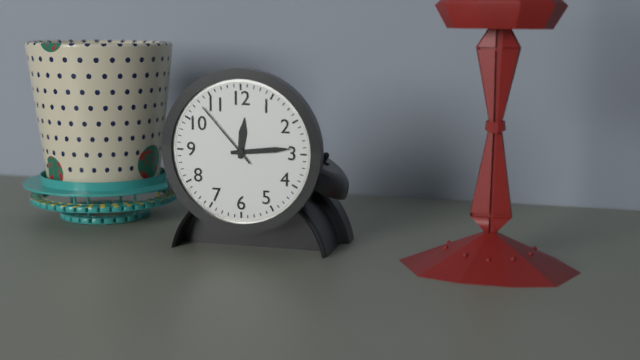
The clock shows **12:14:53**
